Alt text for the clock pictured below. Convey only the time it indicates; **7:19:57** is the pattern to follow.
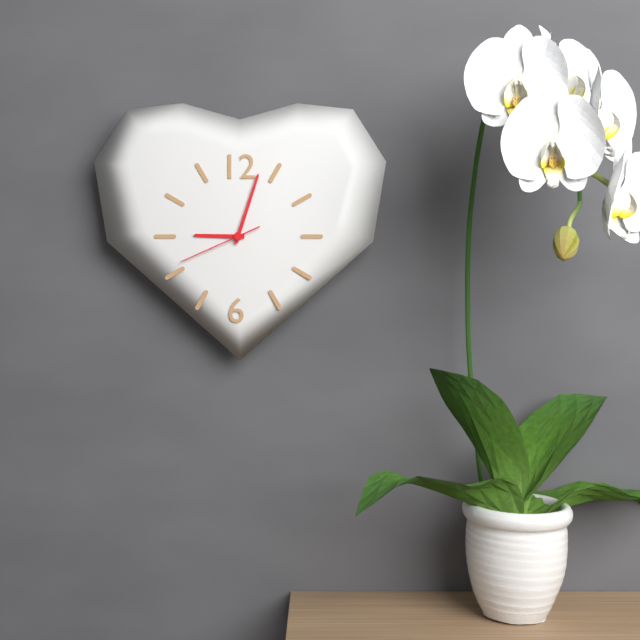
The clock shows **9:03:41**
